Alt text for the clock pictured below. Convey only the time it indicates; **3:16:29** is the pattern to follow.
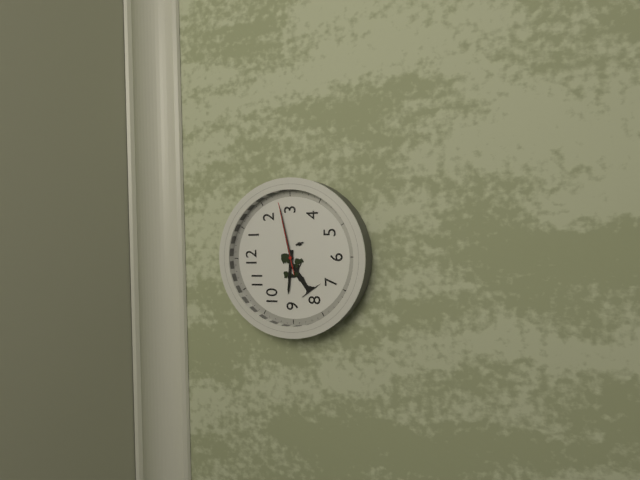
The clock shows **9:13:13**
